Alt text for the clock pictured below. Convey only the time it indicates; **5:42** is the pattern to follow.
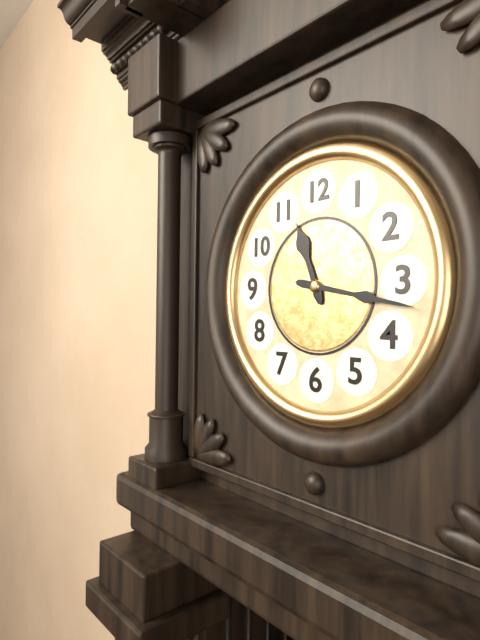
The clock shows **11:17**
